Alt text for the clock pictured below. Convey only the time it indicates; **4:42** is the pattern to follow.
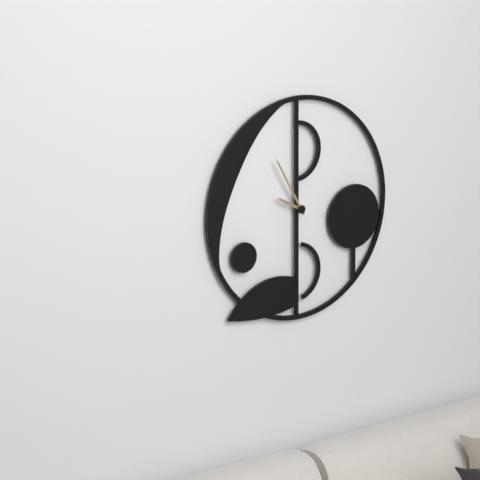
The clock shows **9:55**
